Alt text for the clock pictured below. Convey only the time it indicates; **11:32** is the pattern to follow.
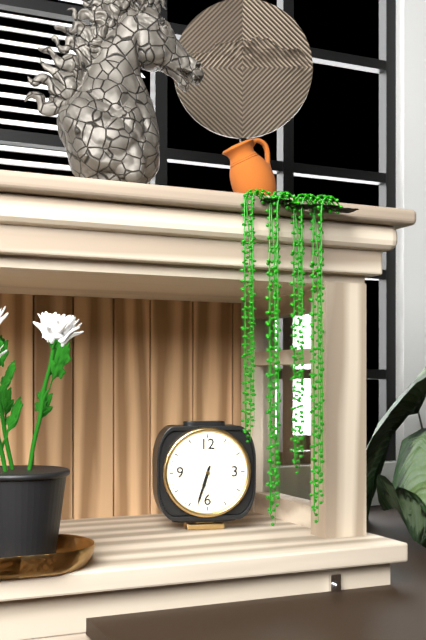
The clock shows **6:33**
